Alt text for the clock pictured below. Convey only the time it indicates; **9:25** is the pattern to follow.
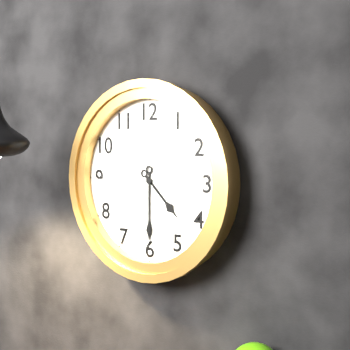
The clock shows **4:30**
